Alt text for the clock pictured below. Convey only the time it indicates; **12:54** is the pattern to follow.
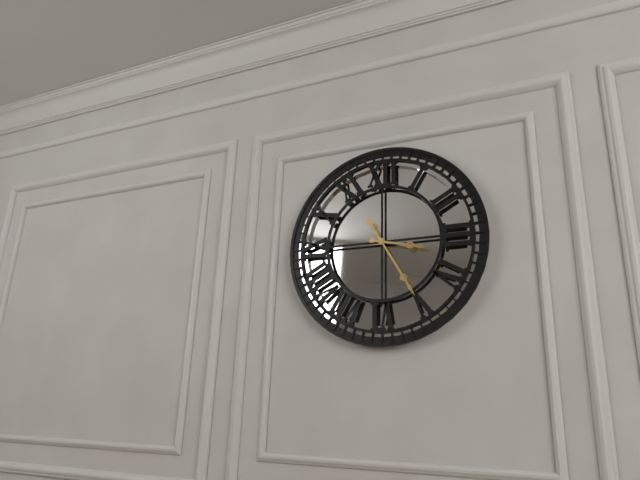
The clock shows **3:25**
